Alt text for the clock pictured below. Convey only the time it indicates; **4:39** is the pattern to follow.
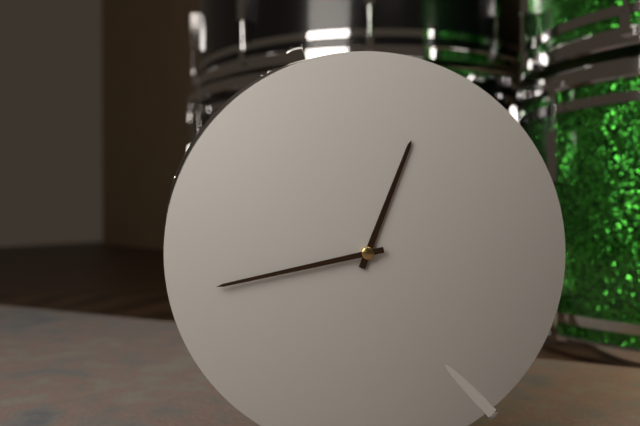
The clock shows **12:43**
